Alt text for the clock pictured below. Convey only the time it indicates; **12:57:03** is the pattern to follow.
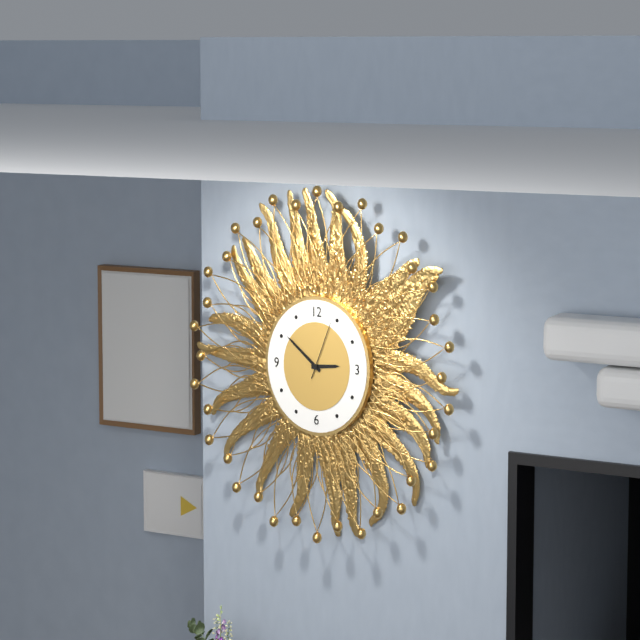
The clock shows **2:51:04**
